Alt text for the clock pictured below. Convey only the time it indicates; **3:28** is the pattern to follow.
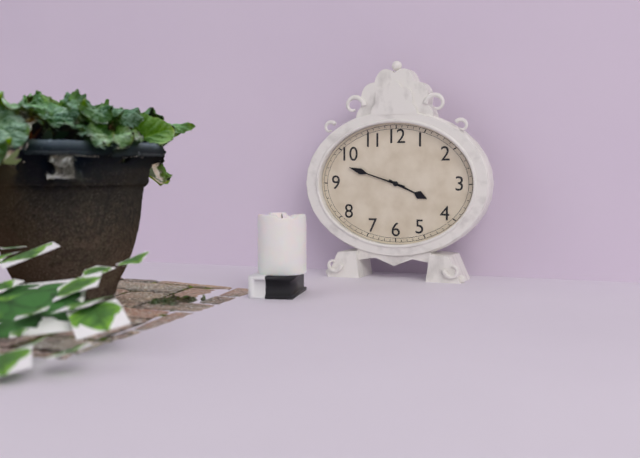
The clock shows **3:48**
